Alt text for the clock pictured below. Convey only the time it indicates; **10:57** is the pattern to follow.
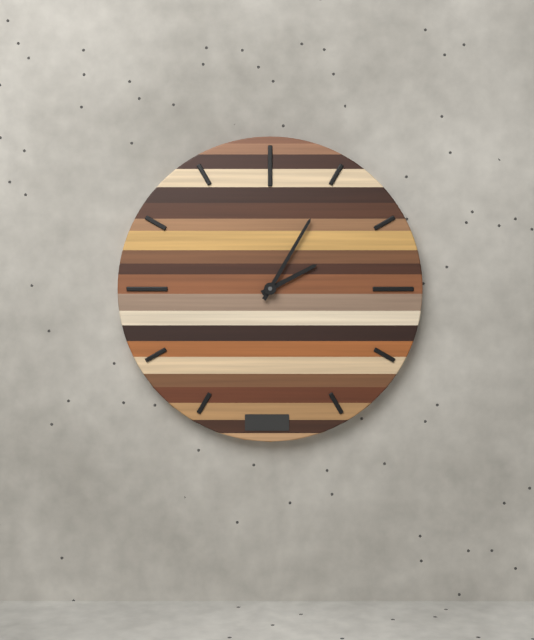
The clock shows **2:05**
